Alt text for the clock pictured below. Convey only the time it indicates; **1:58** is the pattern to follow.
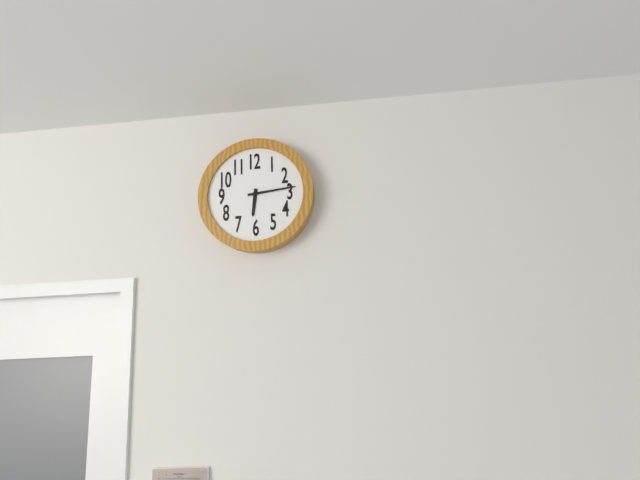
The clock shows **6:14**
